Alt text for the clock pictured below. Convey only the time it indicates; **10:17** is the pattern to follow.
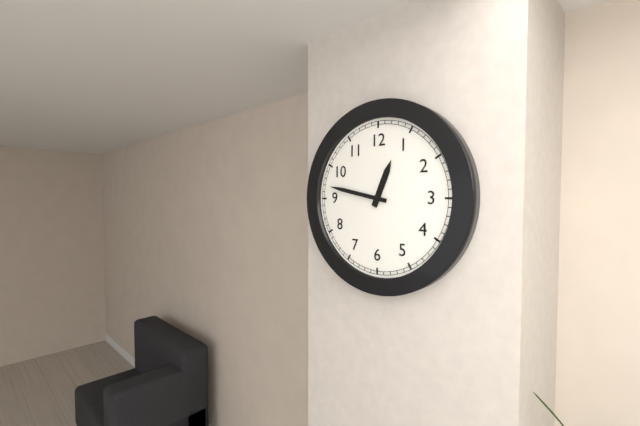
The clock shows **12:47**
